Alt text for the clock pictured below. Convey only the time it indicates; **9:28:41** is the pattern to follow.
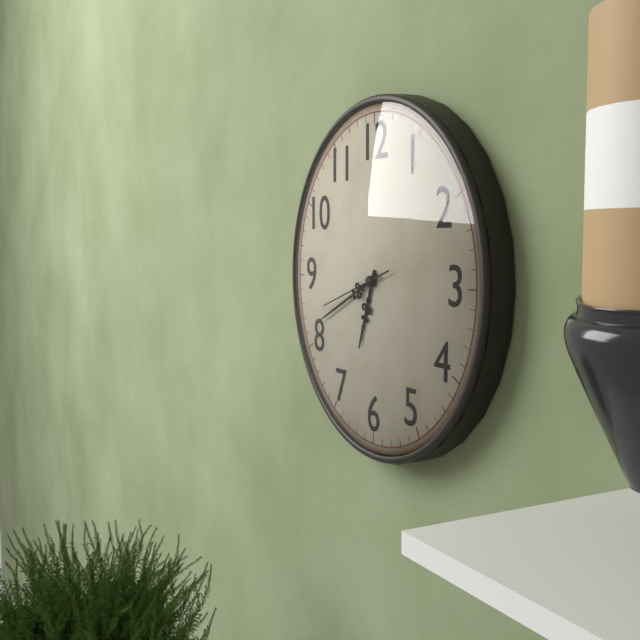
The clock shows **6:41:42**
